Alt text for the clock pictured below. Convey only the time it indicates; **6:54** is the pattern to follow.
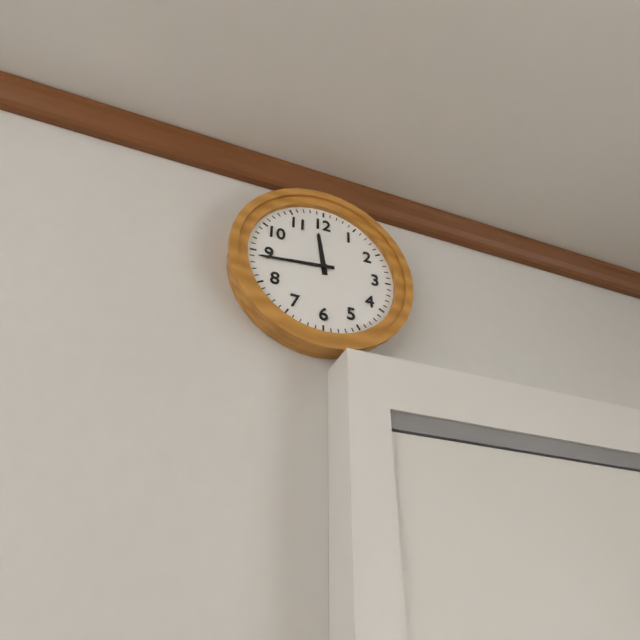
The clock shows **11:44**
